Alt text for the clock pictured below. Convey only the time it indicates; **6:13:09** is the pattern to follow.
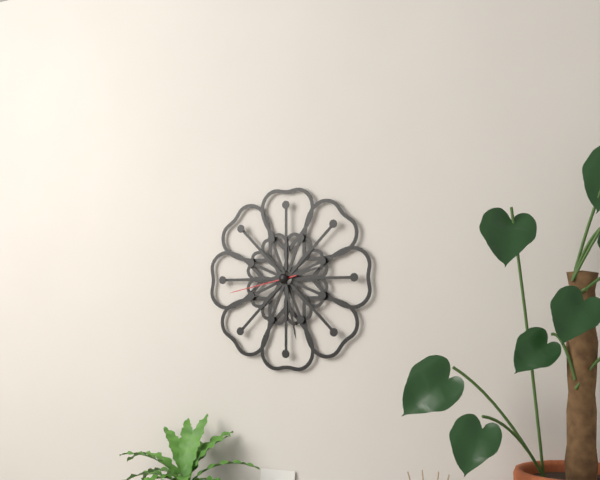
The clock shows **2:28:43**
